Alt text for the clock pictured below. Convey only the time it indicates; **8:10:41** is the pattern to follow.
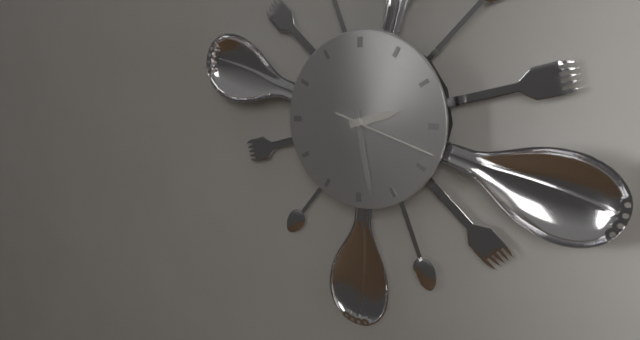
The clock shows **2:28:18**
